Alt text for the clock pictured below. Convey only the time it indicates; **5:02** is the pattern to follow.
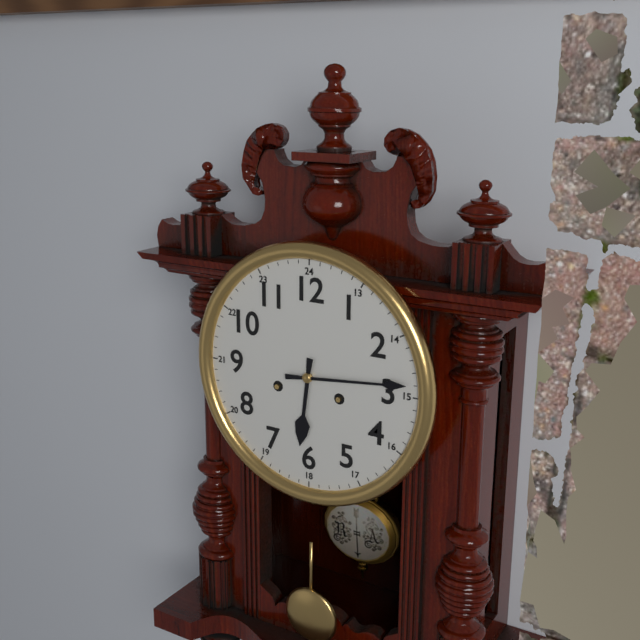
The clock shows **6:14**
